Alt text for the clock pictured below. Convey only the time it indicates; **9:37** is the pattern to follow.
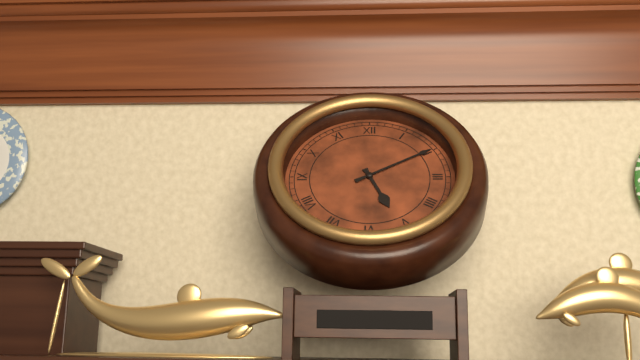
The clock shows **5:10**
